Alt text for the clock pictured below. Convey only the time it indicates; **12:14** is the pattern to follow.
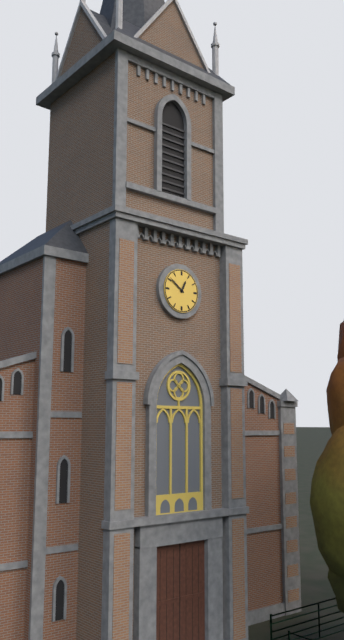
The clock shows **12:51**
